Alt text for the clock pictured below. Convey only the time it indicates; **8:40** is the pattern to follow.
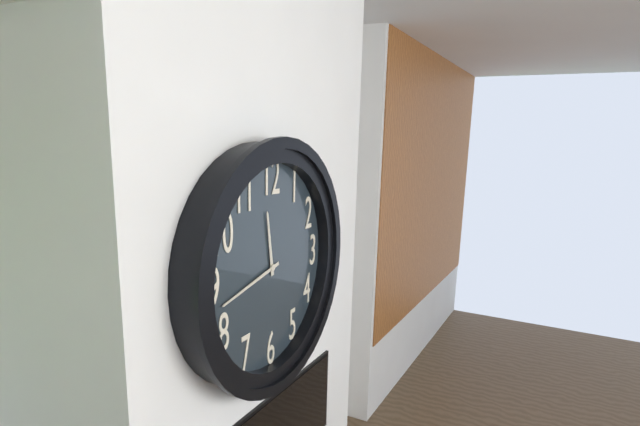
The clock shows **11:43**
